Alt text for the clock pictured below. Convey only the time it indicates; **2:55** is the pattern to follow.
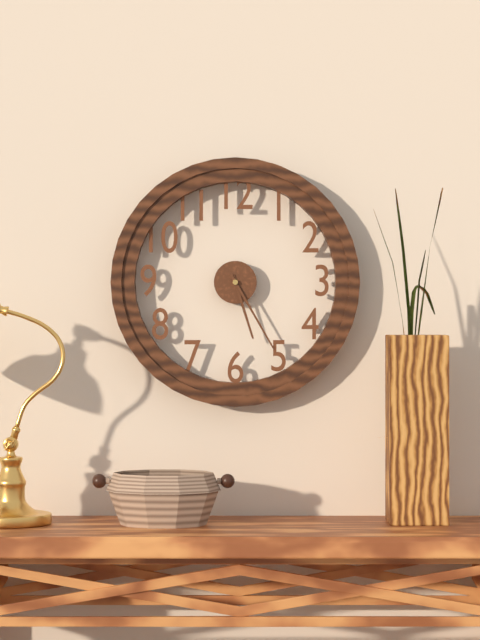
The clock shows **5:25**
